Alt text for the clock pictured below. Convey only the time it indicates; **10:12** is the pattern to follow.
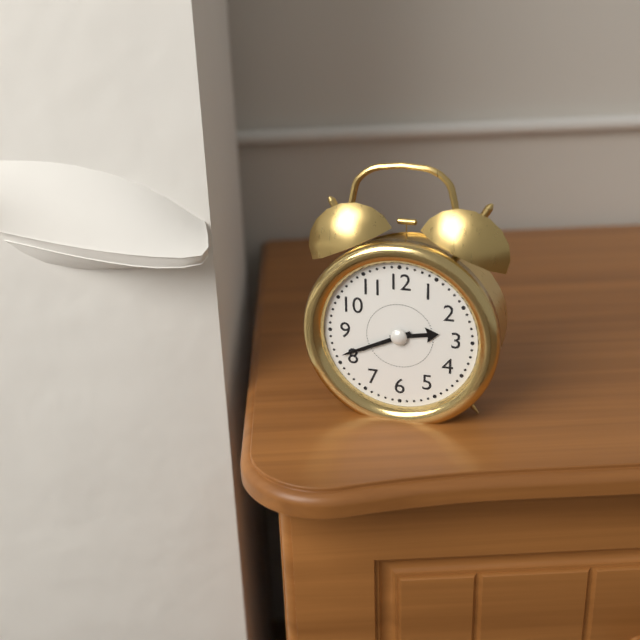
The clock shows **2:41**
